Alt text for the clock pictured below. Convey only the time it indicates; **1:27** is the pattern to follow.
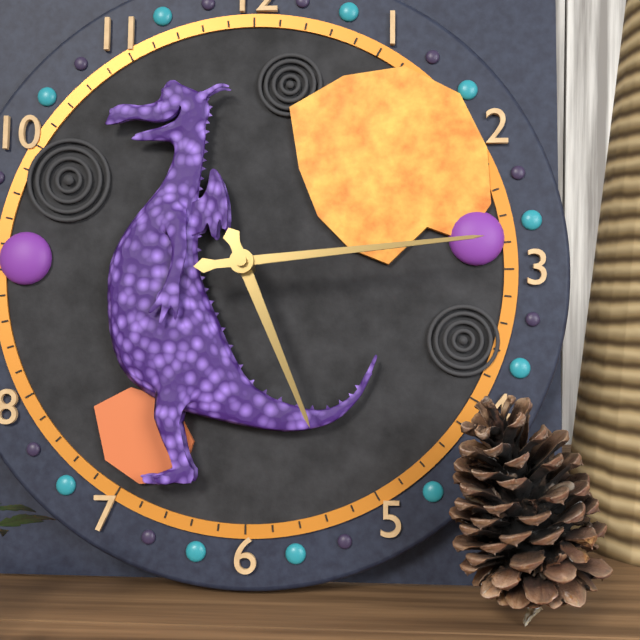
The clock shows **5:14**
